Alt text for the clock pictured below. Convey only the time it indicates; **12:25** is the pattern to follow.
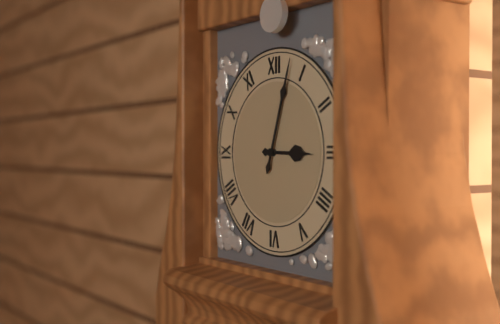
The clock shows **3:03**
